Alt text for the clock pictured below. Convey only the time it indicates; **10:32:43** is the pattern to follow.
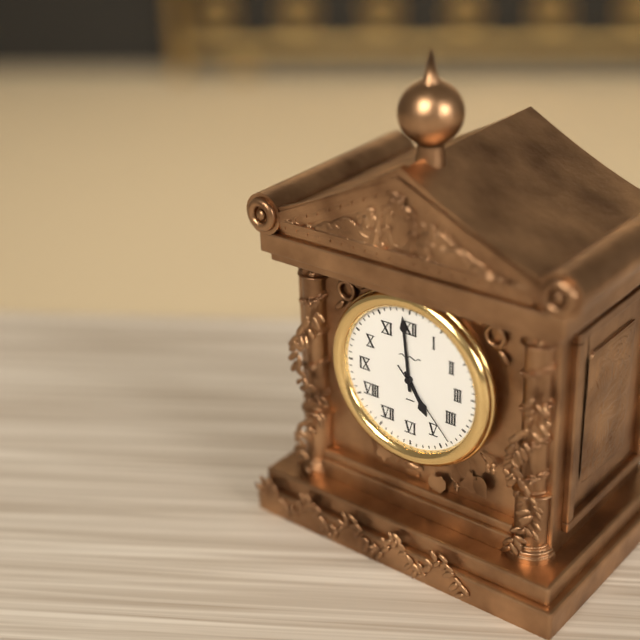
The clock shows **4:59:23**
